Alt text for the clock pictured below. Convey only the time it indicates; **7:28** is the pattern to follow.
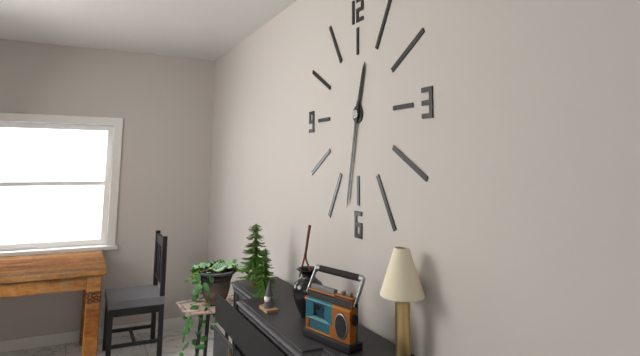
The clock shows **12:32**
